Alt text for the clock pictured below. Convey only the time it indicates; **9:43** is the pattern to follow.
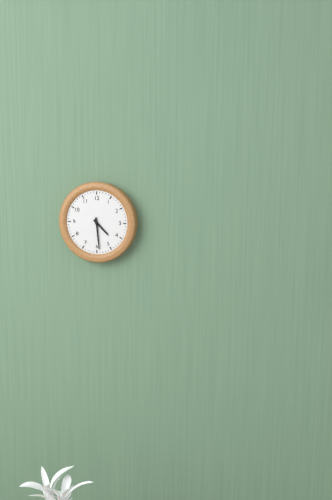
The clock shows **4:29**
